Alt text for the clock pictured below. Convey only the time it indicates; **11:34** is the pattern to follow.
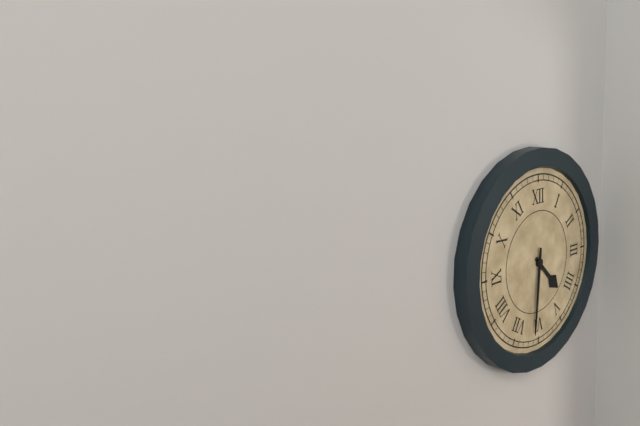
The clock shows **4:31**
